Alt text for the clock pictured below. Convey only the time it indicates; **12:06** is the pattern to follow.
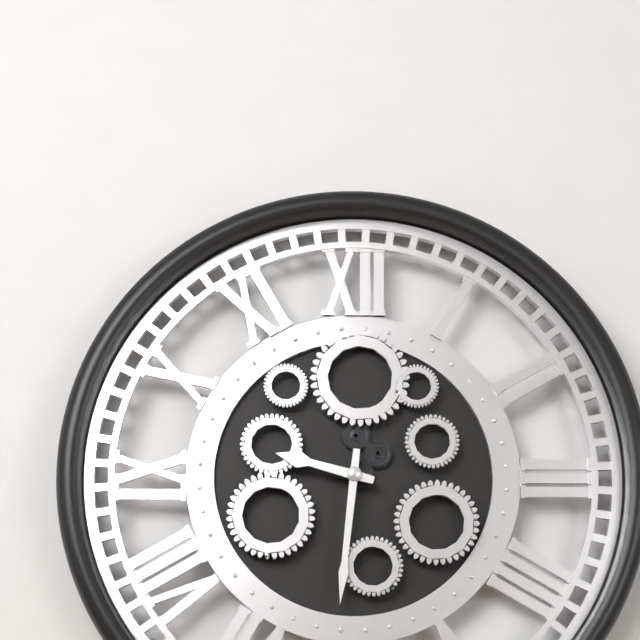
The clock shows **9:31**
